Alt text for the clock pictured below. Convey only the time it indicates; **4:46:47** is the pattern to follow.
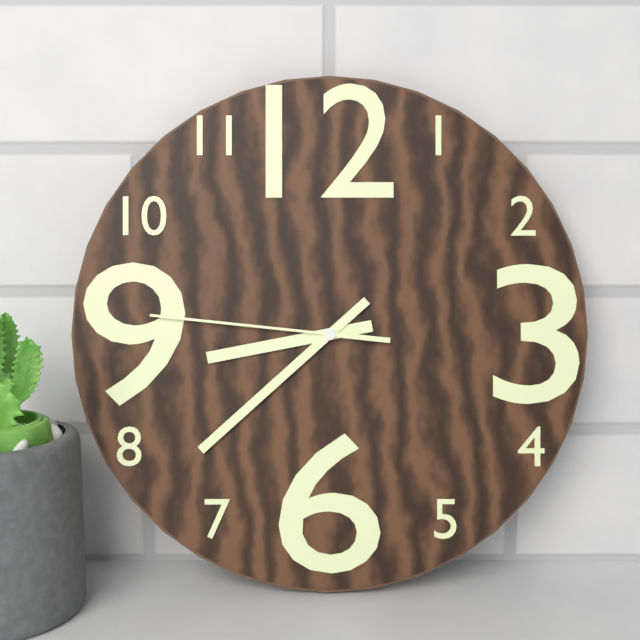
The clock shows **8:38:46**
